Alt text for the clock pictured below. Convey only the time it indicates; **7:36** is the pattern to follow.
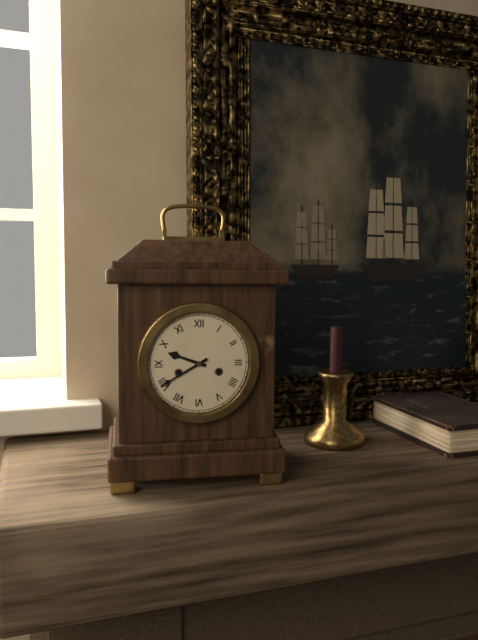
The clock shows **9:40**
